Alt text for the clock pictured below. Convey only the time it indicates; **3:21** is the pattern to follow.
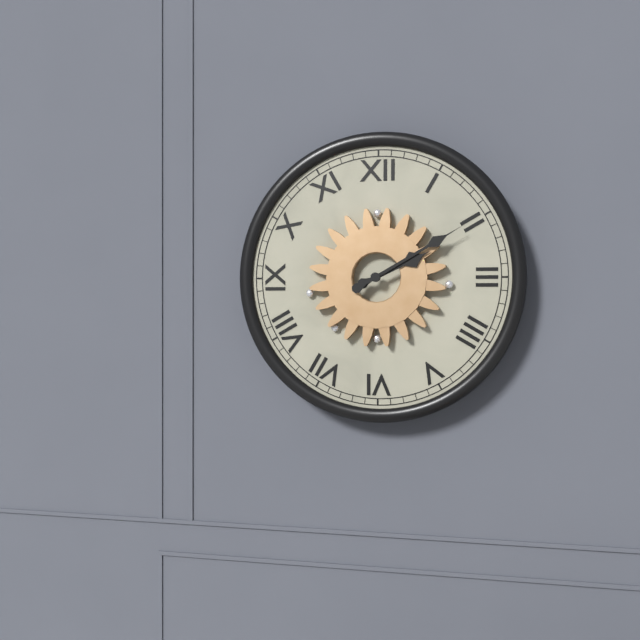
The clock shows **2:10**
